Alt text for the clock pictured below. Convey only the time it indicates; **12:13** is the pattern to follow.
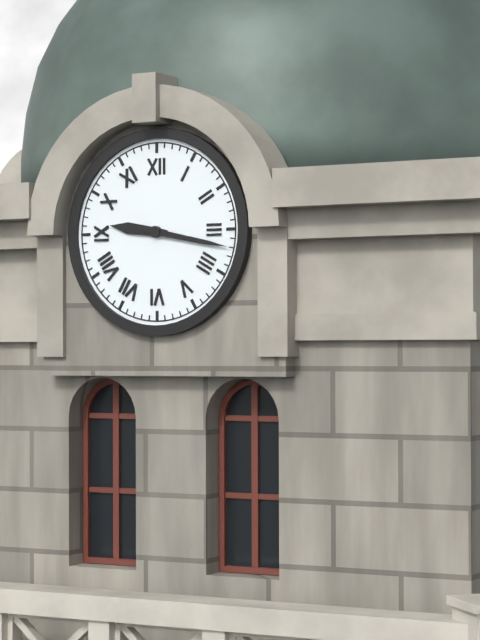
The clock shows **9:17**
